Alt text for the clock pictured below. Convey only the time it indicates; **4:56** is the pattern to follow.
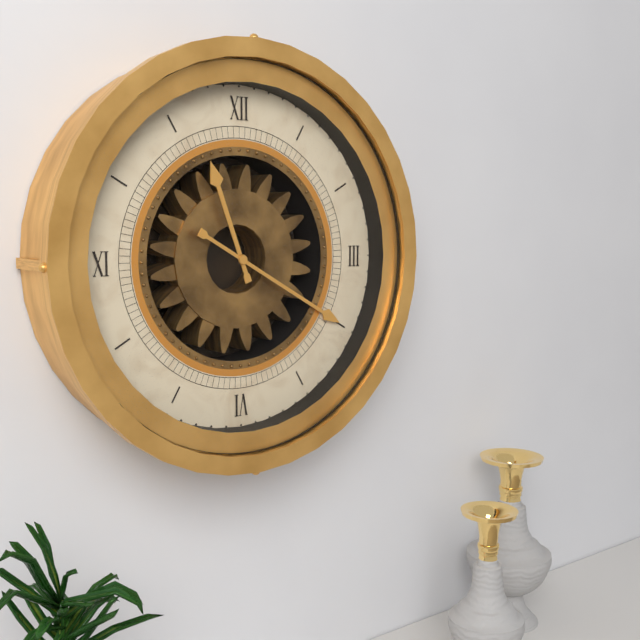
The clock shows **11:20**
